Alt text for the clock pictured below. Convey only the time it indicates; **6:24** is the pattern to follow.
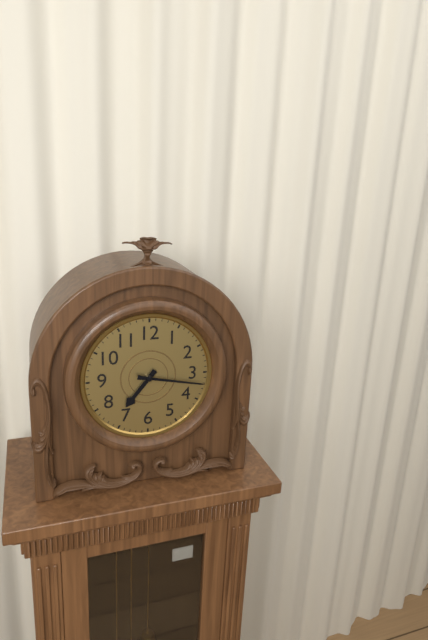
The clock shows **7:17**
